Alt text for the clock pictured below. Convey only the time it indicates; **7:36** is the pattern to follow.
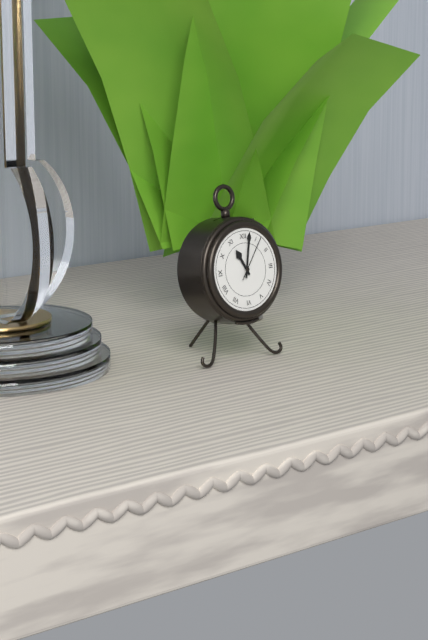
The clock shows **11:02**
